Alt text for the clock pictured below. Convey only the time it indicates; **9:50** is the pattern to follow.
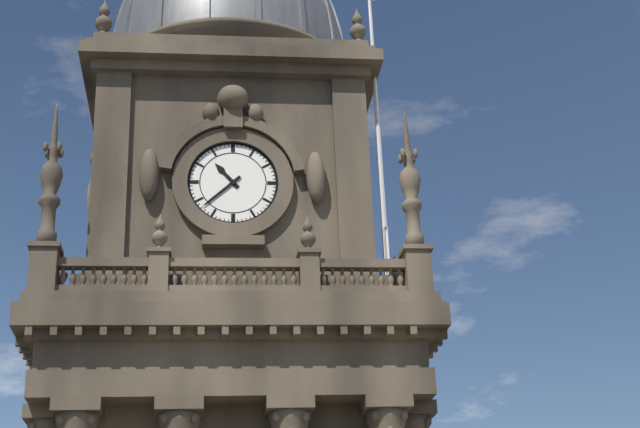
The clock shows **10:38**
